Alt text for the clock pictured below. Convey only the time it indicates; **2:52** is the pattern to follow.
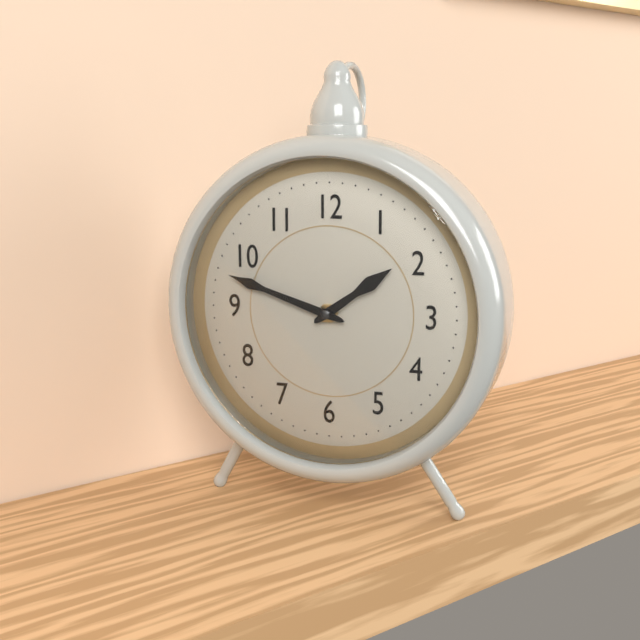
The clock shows **1:48**
